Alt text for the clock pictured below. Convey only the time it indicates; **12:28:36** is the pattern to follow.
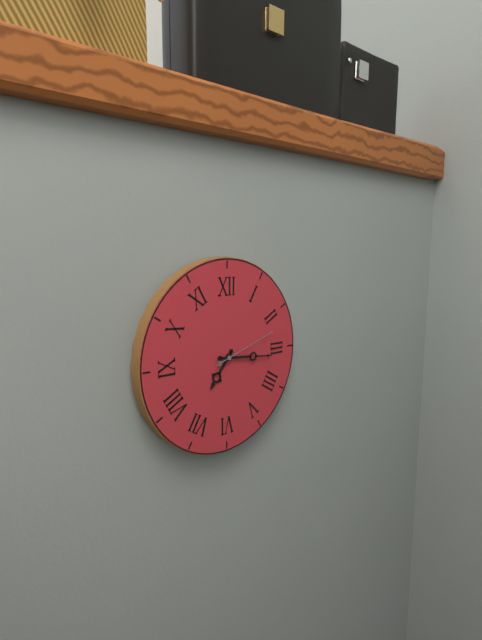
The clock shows **7:16:12**
